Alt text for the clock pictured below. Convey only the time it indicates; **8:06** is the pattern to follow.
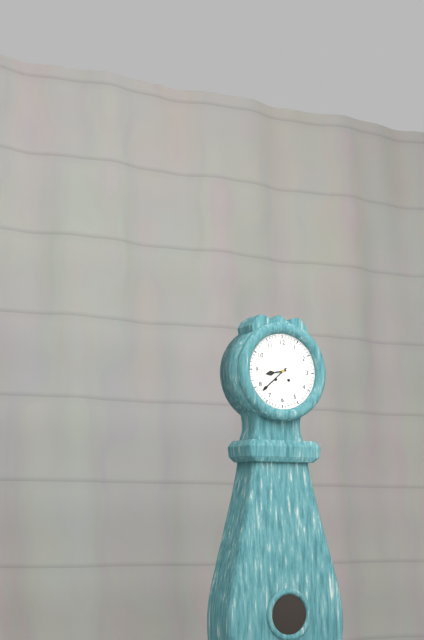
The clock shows **8:38**
